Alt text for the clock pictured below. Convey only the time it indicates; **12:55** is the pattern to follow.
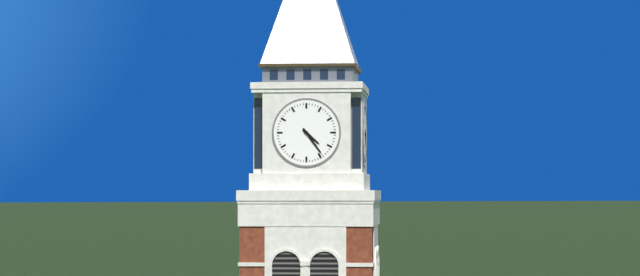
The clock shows **4:24**
